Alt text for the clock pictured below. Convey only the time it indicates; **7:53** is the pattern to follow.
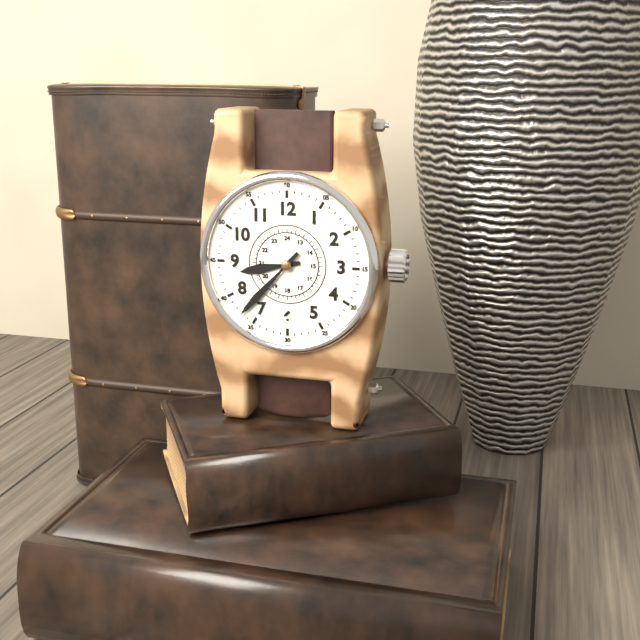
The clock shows **8:37**
